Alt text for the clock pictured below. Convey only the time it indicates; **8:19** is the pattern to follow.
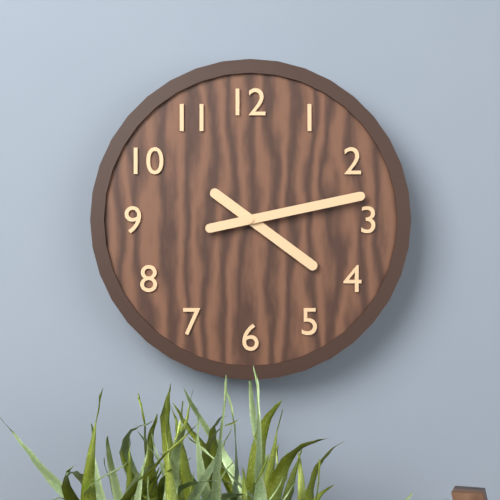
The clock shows **4:13**
